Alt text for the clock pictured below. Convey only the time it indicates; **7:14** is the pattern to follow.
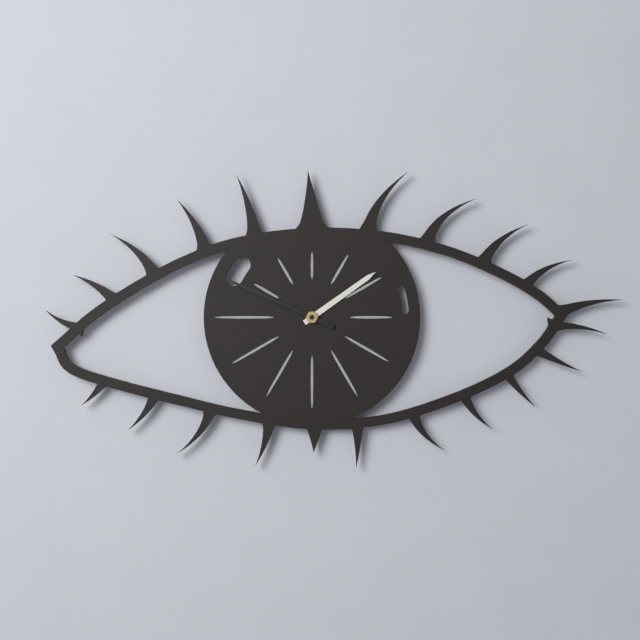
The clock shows **1:49**
